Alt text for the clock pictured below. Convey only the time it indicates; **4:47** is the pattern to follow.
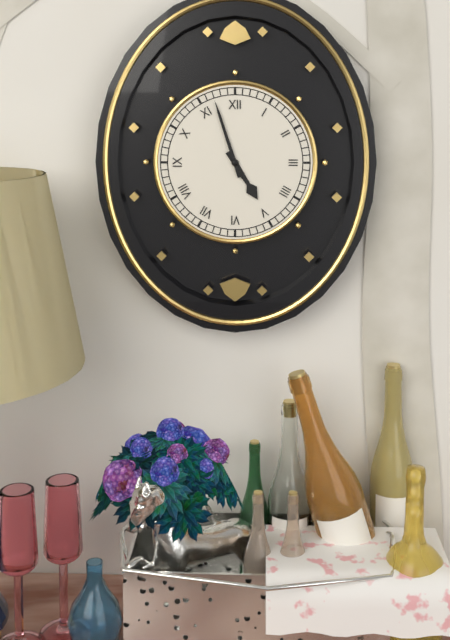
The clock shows **4:57**
